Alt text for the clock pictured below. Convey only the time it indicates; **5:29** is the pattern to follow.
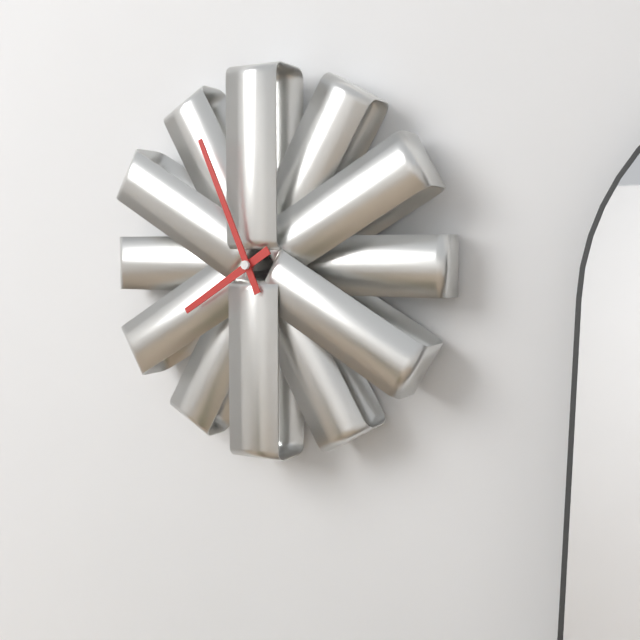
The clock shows **7:56**
